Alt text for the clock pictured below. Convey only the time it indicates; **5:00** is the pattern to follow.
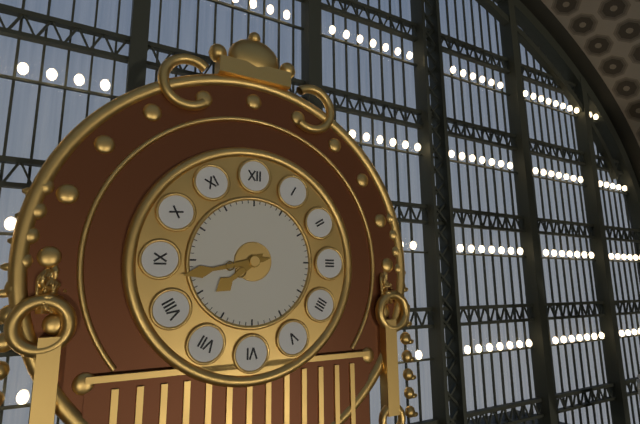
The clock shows **7:43**
